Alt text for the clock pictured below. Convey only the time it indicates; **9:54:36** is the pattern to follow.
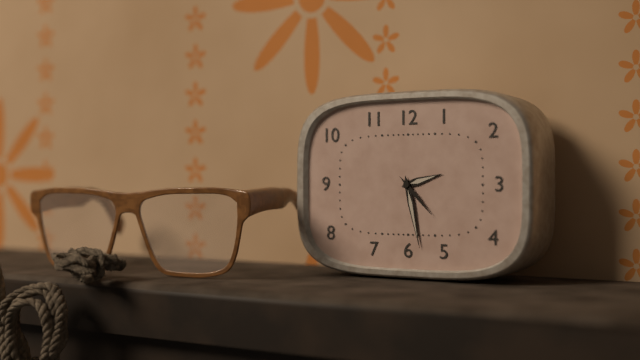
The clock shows **2:28:23**
